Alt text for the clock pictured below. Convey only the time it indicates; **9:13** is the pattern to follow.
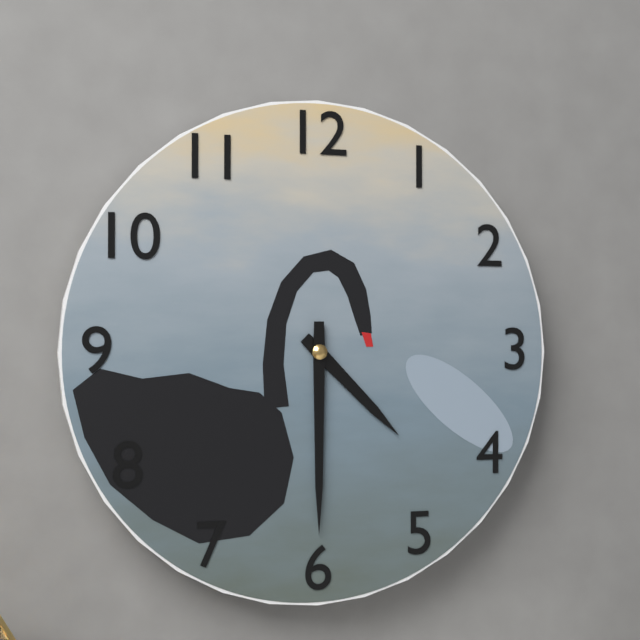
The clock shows **4:30**
